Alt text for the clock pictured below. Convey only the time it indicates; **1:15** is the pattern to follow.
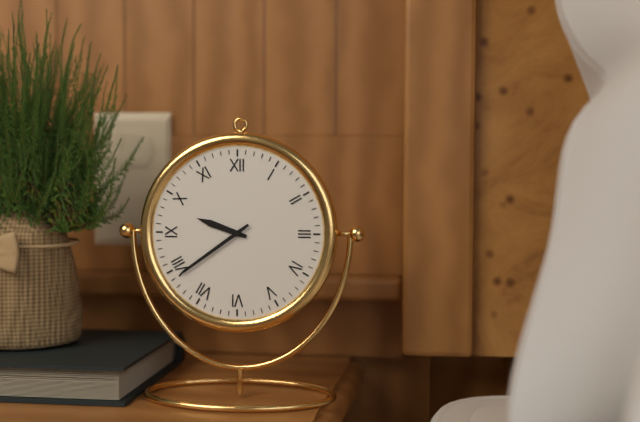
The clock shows **9:39**
